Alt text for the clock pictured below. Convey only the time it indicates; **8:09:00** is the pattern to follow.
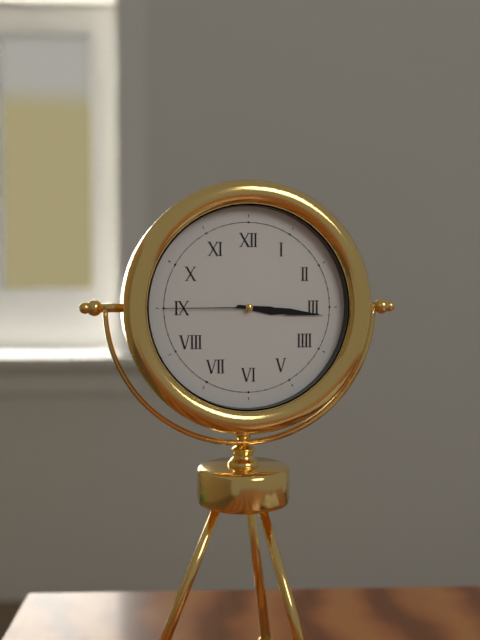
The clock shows **3:16:45**
